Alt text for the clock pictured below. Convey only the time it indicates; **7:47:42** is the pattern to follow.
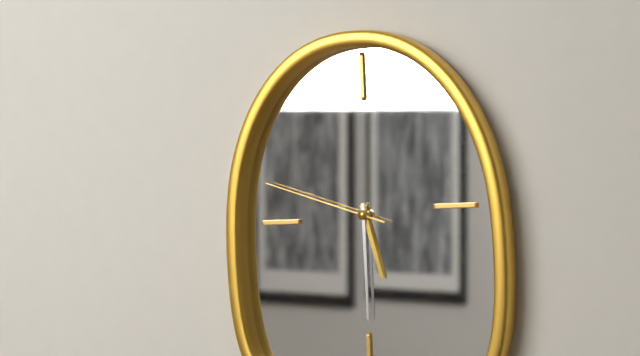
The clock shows **5:30:48**
